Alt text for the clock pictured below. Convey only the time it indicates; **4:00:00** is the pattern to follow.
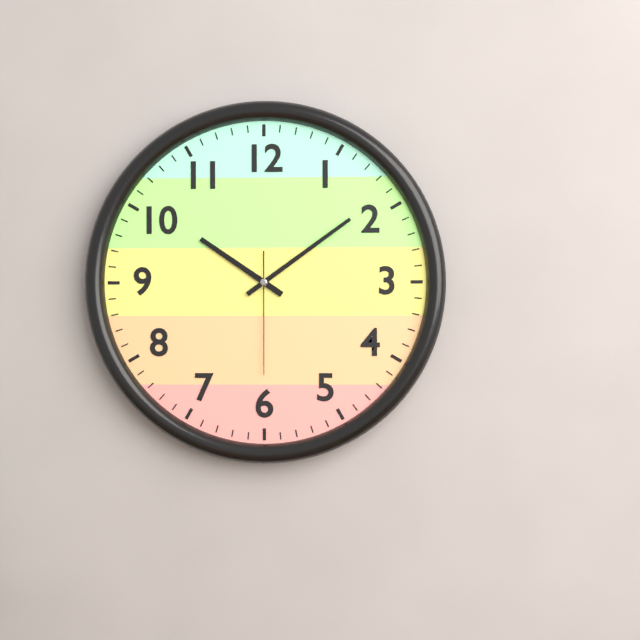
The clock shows **10:09:30**
